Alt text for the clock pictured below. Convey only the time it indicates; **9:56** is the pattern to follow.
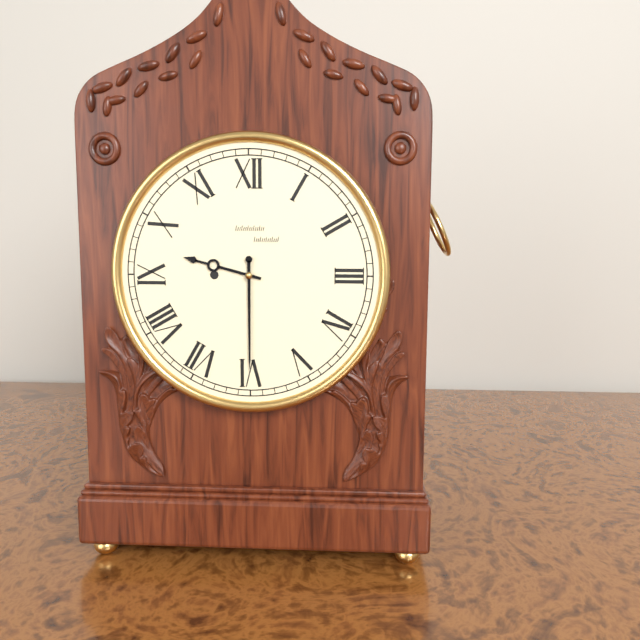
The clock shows **9:30**
